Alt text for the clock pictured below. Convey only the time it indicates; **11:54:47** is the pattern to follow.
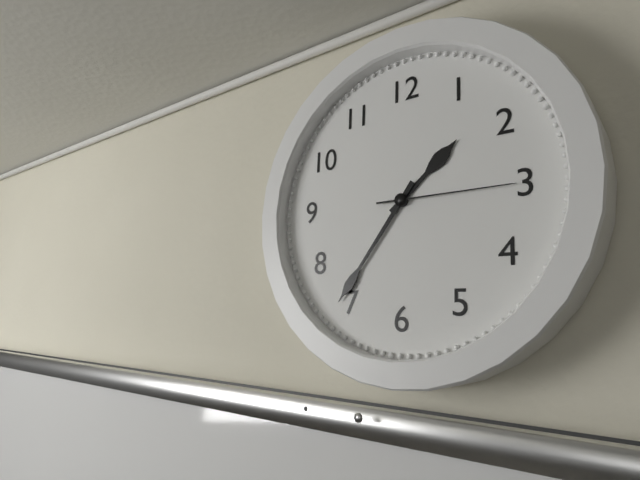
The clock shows **1:36:15**
